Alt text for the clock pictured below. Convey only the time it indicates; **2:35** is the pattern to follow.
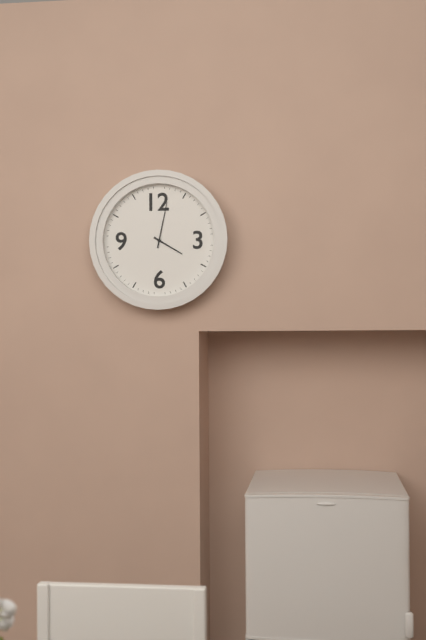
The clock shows **4:02**
